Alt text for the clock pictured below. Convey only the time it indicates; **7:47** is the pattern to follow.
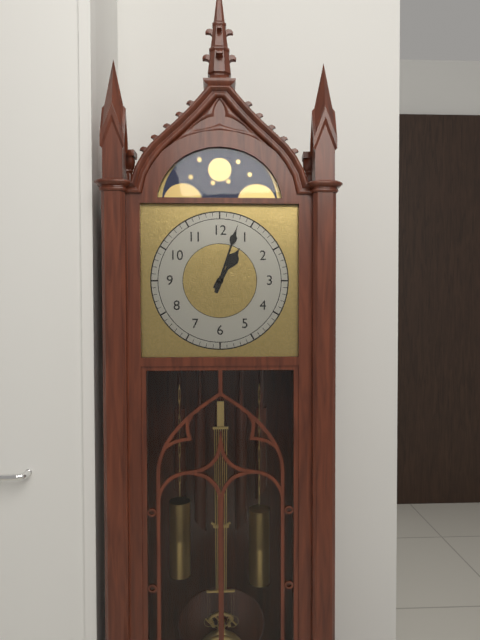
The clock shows **1:03**
